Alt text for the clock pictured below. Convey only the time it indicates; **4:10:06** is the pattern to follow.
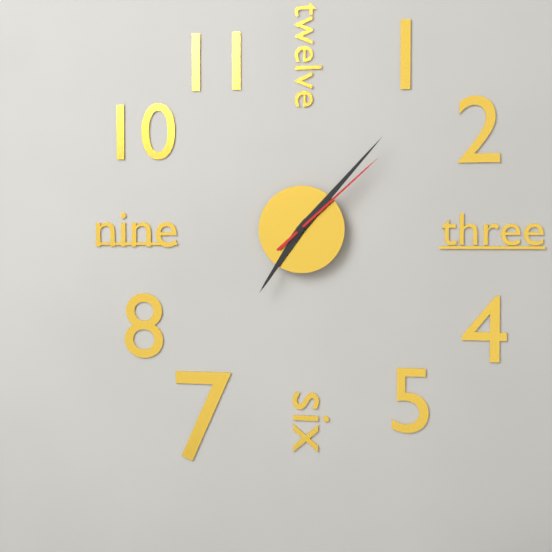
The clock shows **7:07:08**
